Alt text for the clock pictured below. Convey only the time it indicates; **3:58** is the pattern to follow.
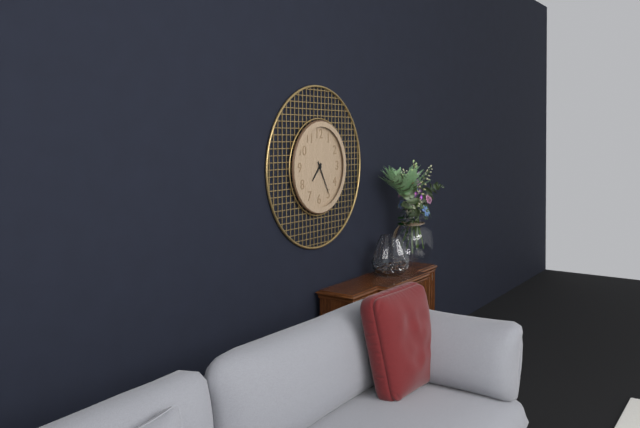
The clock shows **7:25**
